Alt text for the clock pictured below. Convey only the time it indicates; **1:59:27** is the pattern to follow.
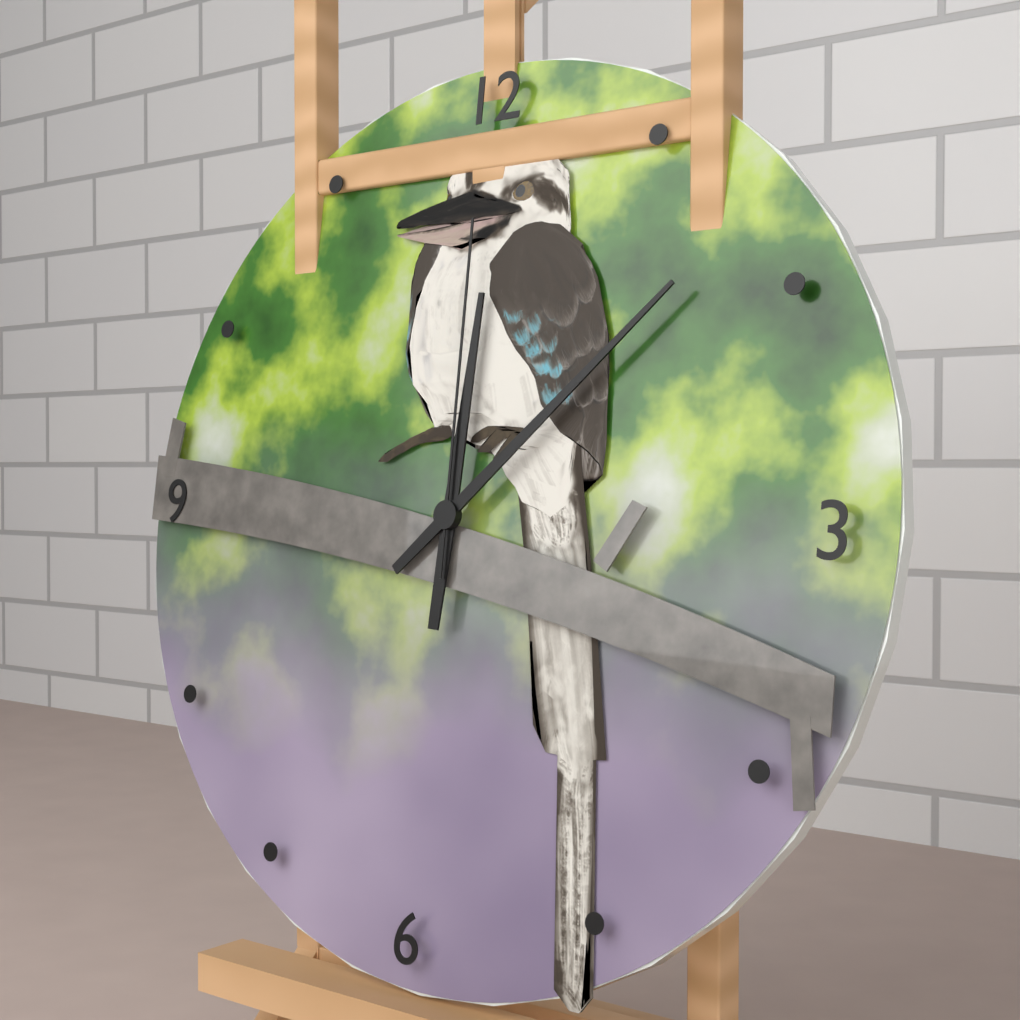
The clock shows **12:08:00**
